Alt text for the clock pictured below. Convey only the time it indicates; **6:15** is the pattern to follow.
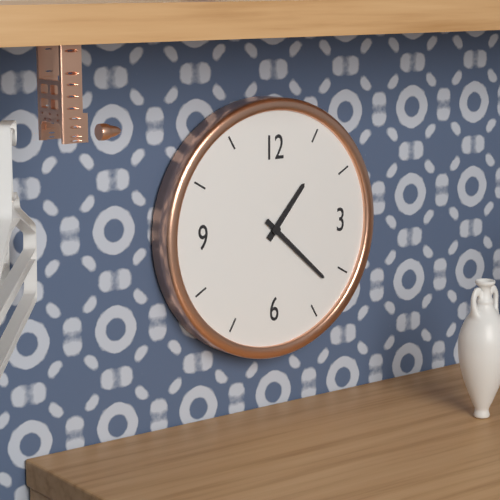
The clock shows **1:22**
